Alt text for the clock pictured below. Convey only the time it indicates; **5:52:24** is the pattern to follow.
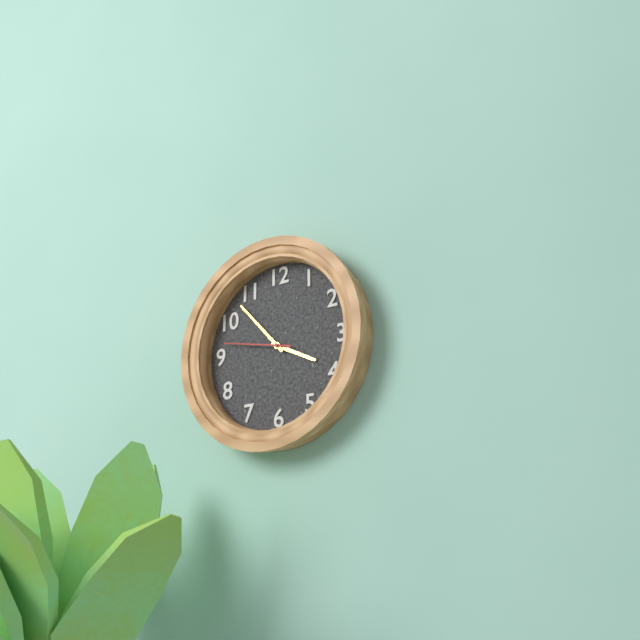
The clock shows **3:53:47**
